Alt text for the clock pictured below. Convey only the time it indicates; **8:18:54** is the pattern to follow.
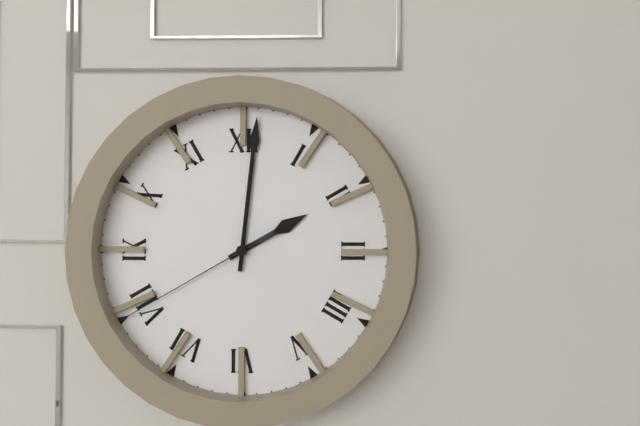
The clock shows **2:01:40**
